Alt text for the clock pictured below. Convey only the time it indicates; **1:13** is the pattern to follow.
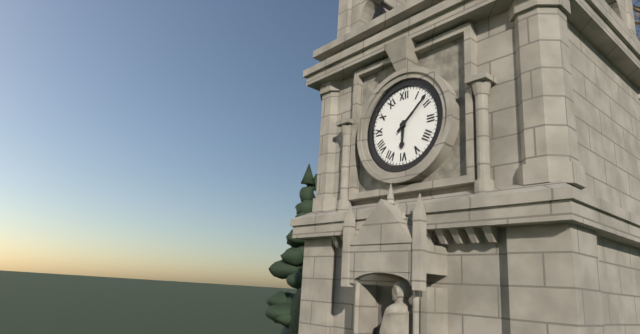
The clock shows **6:08**
